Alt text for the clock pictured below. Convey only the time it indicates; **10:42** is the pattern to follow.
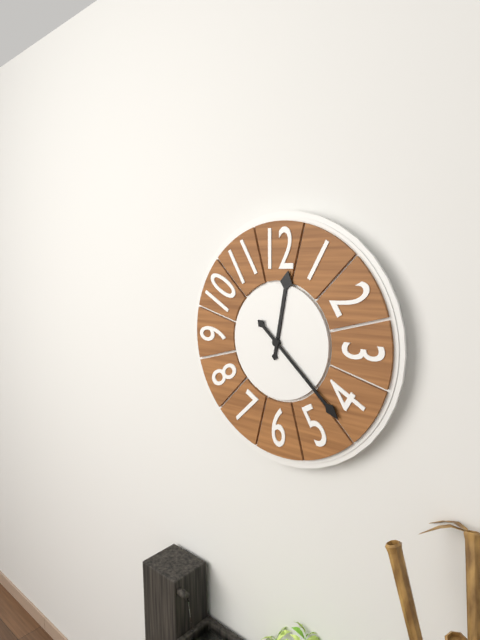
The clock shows **12:22**
